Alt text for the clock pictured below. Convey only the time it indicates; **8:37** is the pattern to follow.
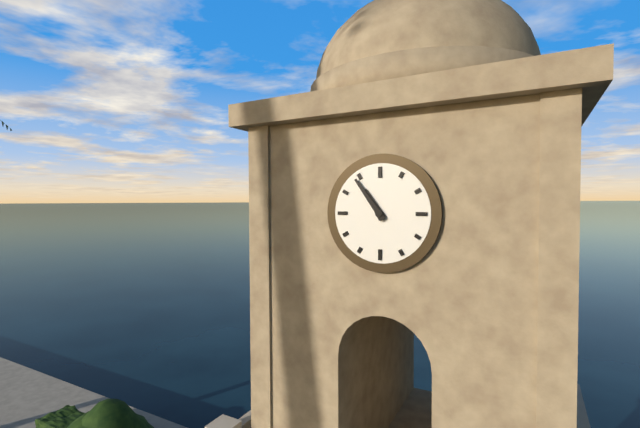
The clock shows **10:54**
